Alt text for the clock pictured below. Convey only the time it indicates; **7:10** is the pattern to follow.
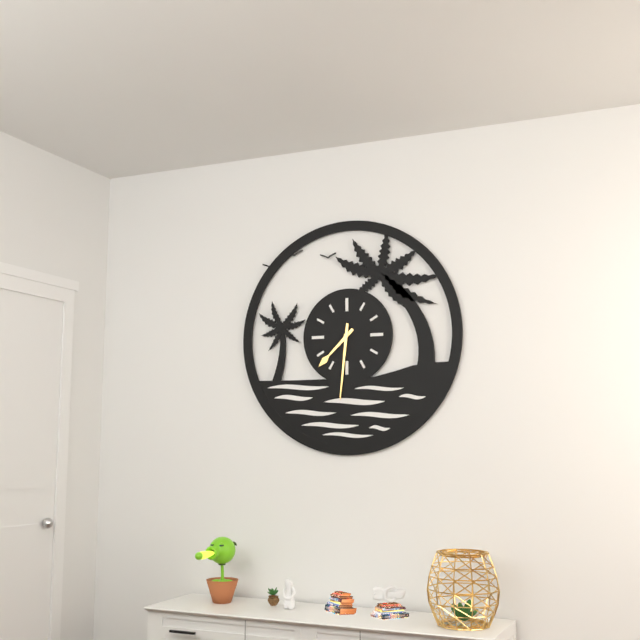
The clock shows **7:31**
